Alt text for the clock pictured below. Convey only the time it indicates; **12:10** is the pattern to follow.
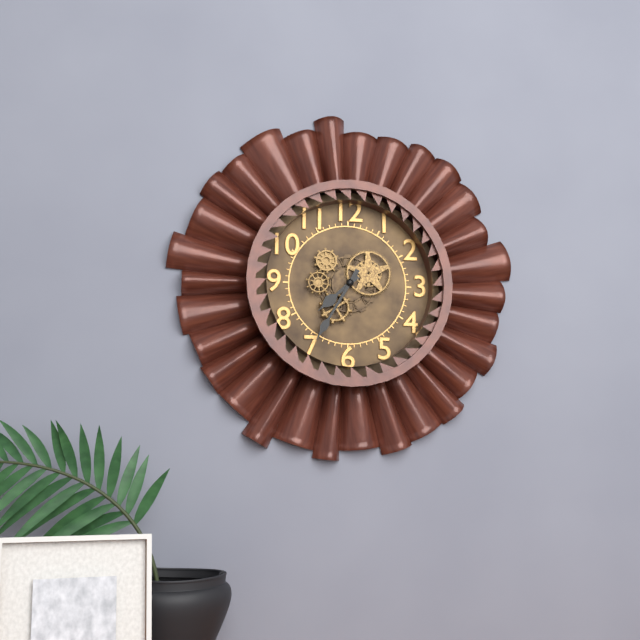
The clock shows **7:35**
